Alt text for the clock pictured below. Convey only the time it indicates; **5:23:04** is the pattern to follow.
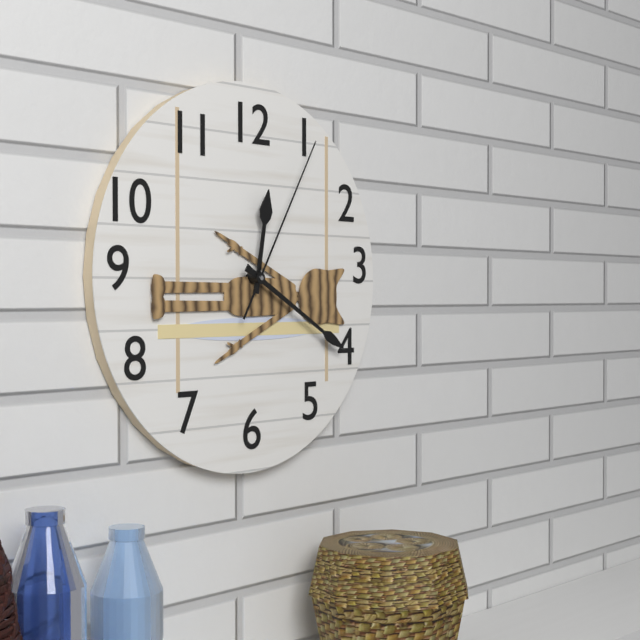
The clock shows **12:20:05**
